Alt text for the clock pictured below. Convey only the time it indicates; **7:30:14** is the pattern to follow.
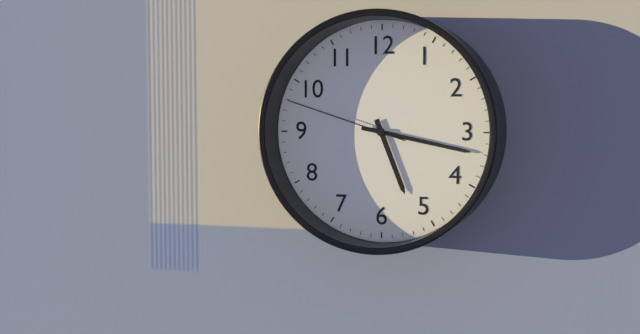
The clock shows **5:17:48**
